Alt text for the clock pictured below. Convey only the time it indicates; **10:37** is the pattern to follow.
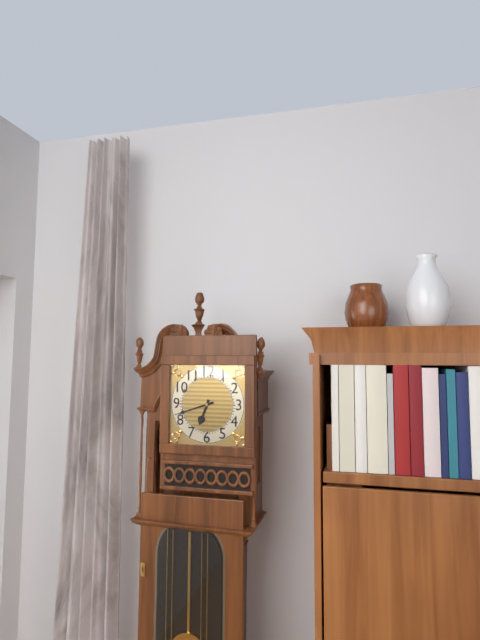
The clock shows **6:42**
